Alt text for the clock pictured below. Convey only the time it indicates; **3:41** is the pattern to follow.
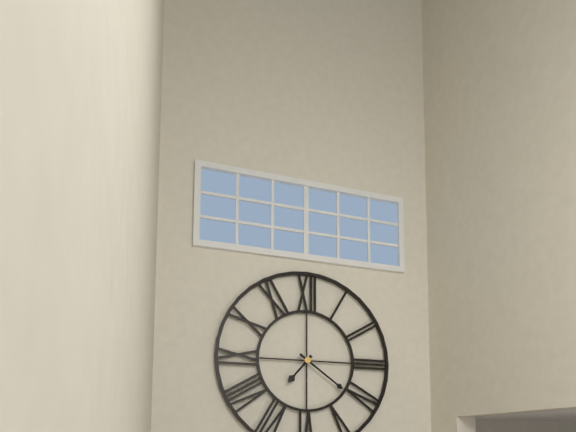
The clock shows **7:21**
